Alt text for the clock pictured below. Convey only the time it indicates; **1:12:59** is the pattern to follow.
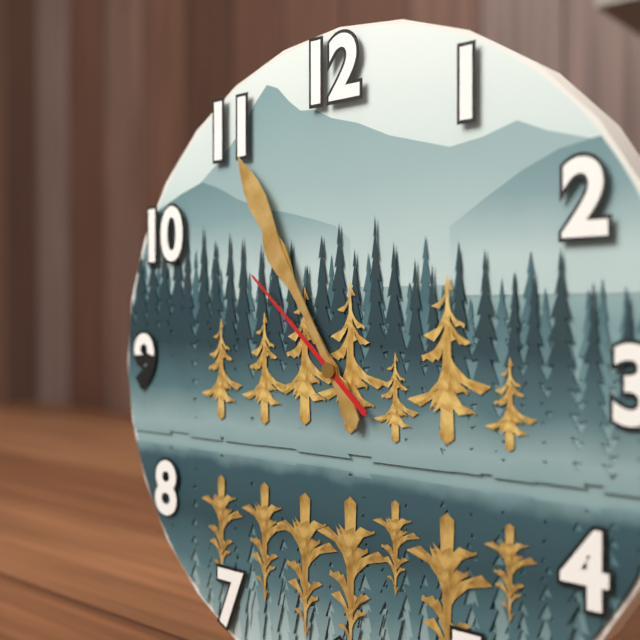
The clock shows **10:55:52**
